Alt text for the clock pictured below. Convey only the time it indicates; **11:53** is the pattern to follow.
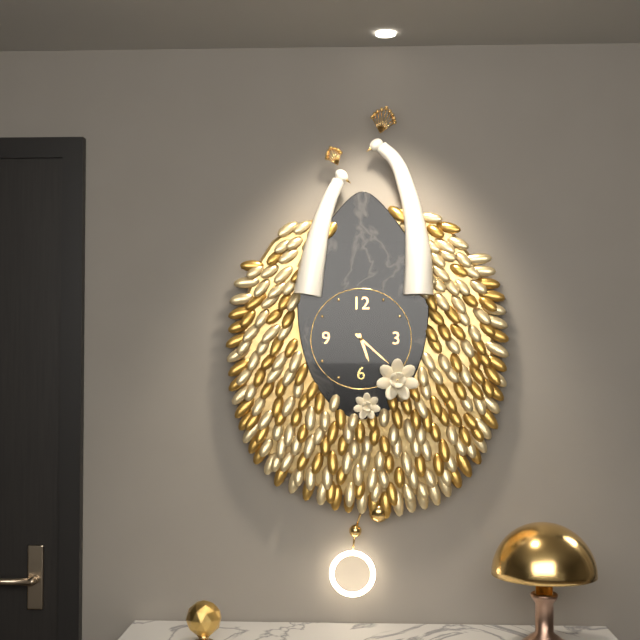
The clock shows **5:22**
